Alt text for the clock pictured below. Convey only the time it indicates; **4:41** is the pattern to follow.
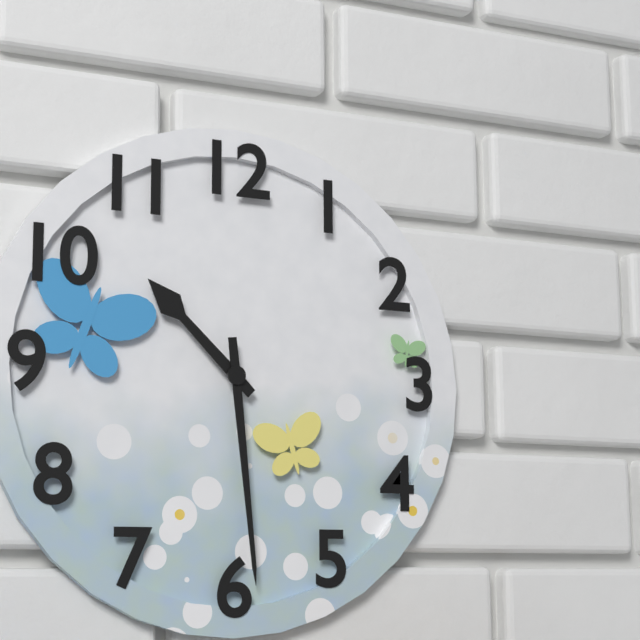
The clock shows **10:29**
